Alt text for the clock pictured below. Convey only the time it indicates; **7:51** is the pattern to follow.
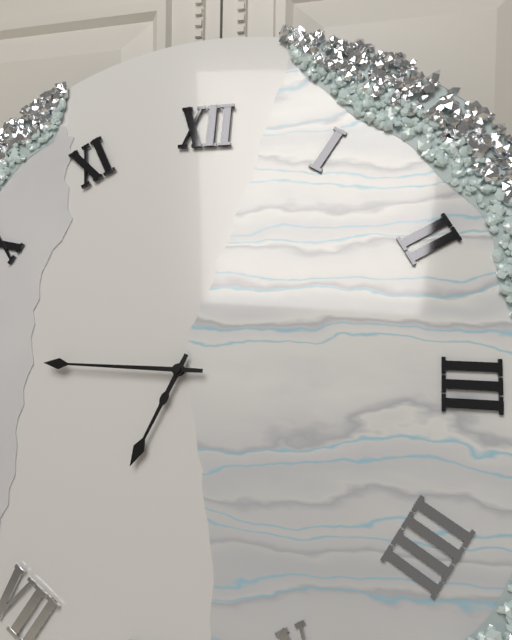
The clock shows **6:45**
